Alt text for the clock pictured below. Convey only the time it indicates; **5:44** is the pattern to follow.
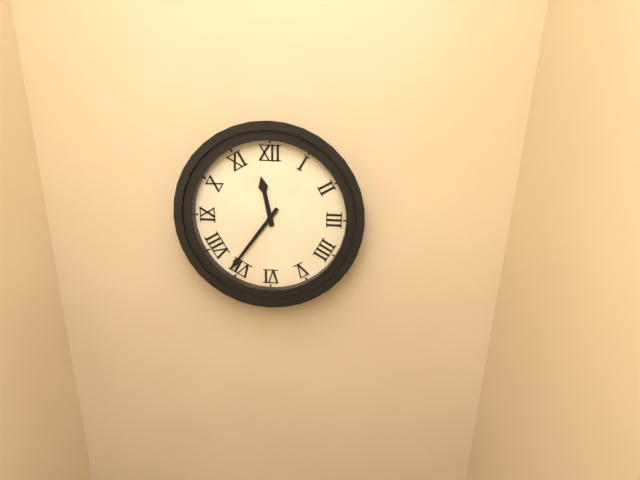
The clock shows **11:36**
